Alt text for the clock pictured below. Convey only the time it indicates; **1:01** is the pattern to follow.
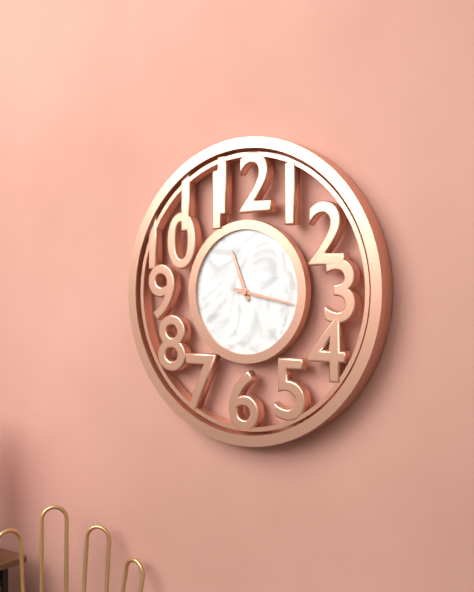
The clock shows **11:17**
